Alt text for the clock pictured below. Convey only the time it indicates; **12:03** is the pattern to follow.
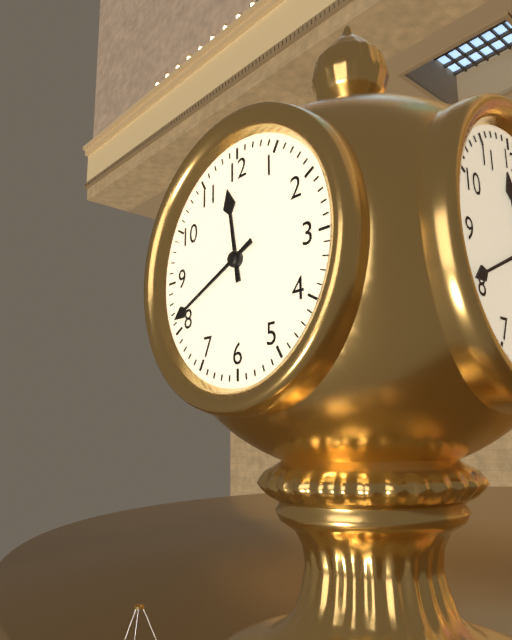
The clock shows **11:41**
